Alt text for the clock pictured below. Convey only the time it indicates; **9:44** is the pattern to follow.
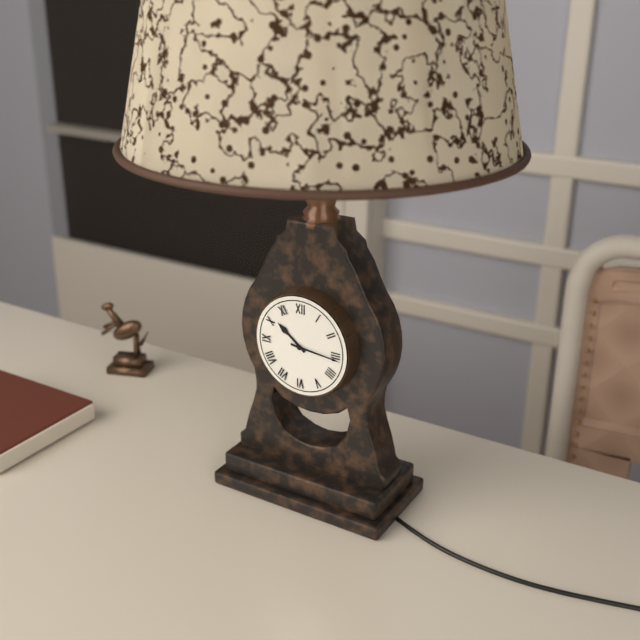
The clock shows **10:16**
